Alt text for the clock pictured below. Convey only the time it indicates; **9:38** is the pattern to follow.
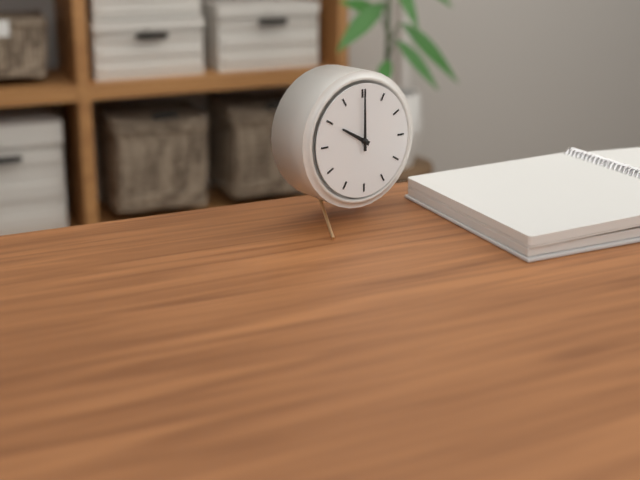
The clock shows **10:00**
